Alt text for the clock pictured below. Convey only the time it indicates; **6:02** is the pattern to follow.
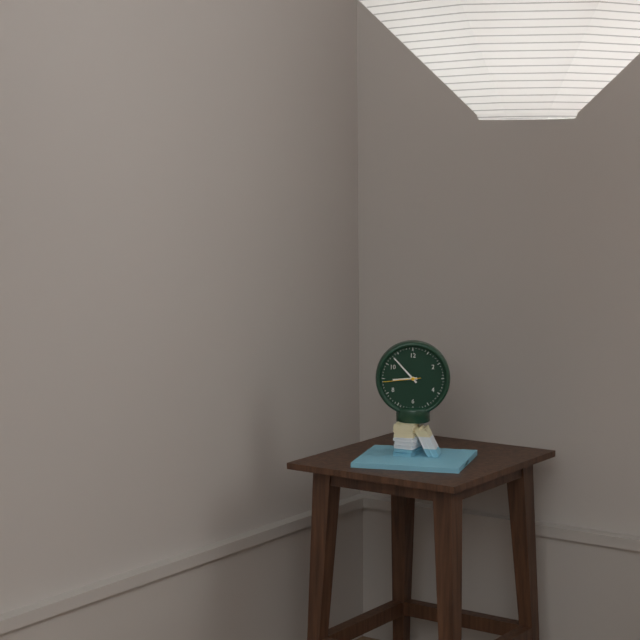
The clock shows **8:53**
